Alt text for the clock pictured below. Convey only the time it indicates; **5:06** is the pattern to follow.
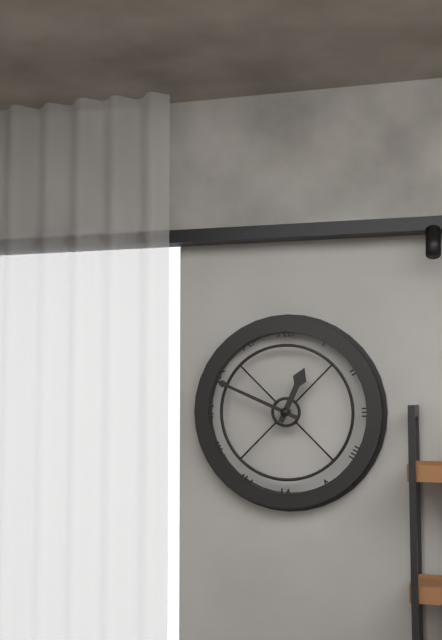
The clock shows **12:49**
